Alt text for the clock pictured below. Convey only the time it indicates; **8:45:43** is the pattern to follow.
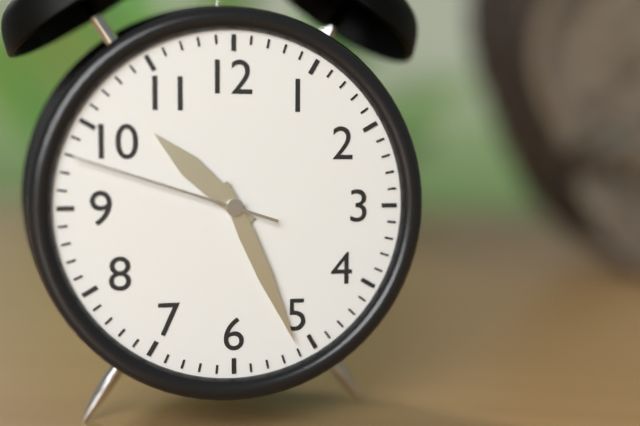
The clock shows **10:26:48**
